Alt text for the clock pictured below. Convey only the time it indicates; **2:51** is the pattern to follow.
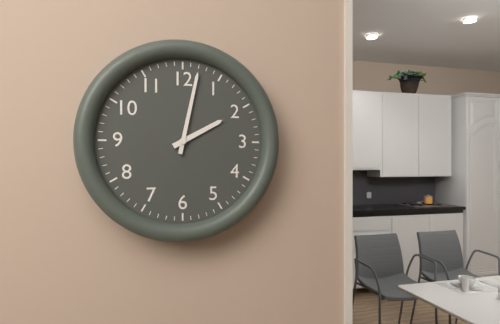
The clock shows **2:02**
